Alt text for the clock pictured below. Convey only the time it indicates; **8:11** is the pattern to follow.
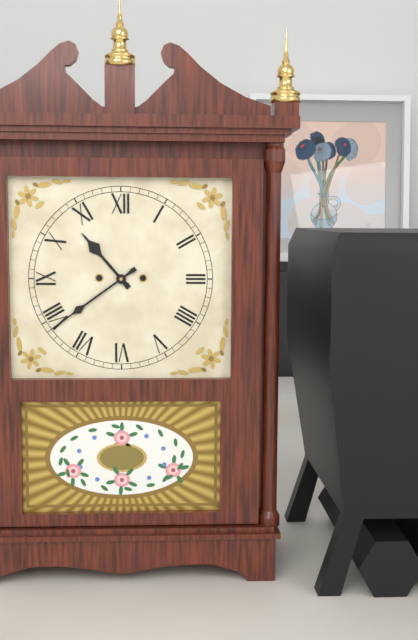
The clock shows **10:39**
